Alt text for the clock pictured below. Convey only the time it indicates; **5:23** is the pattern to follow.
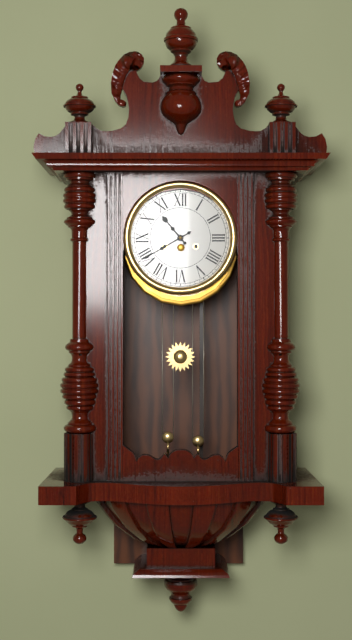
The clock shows **10:40**
